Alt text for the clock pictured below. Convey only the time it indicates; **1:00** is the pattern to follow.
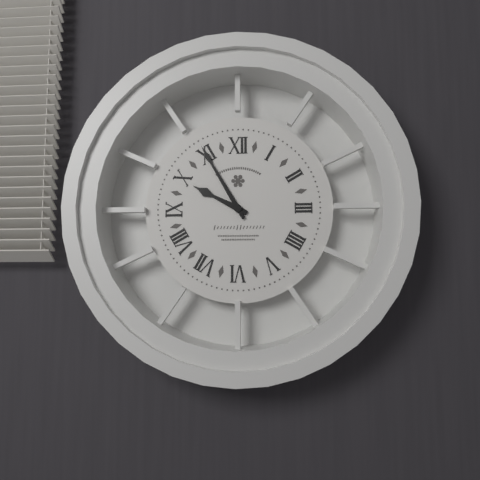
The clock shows **9:55**
